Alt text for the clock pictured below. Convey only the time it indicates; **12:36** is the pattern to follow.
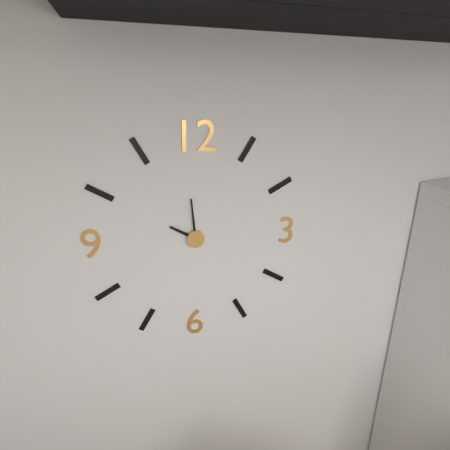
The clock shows **9:59**
